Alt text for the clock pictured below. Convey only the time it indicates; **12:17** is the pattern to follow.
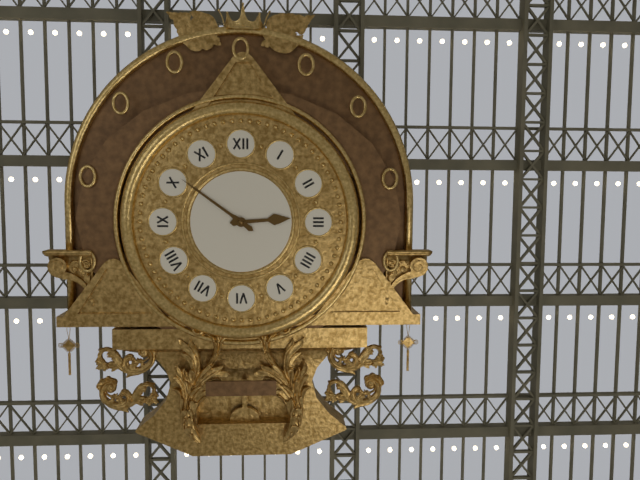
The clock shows **2:51**
